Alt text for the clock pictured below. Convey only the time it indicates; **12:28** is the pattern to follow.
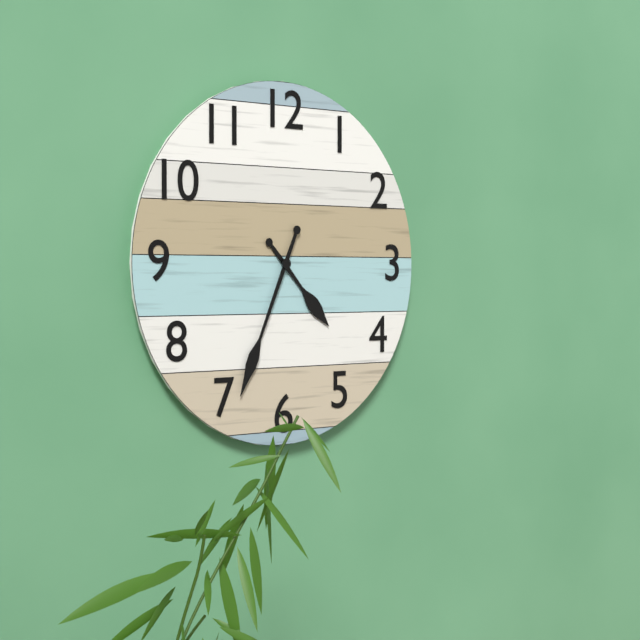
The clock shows **4:34**
